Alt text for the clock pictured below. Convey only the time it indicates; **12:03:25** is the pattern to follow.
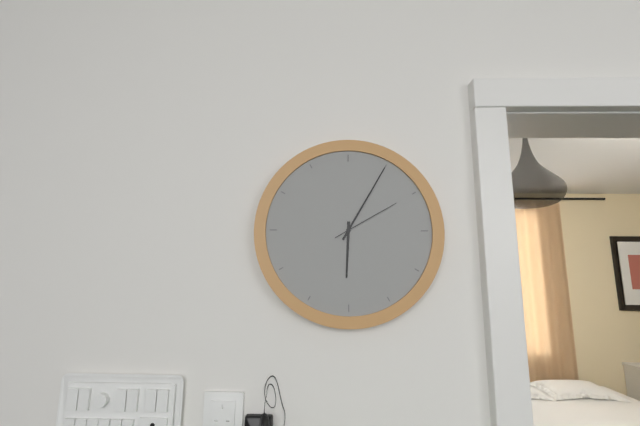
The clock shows **6:05:10**
